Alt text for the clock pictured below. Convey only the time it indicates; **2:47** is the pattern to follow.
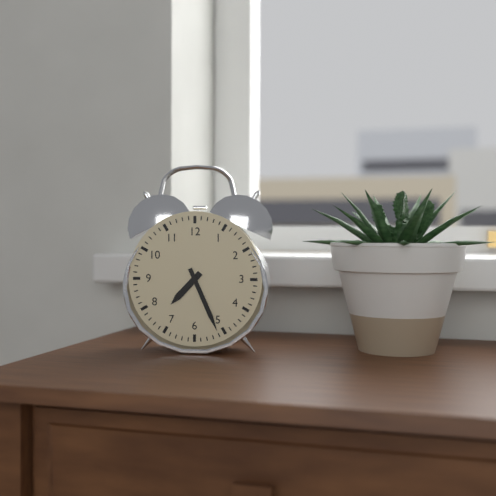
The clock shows **7:26**
